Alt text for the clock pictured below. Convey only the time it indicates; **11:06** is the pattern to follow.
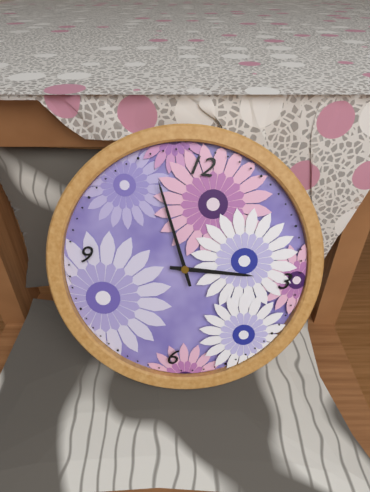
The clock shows **2:56**
